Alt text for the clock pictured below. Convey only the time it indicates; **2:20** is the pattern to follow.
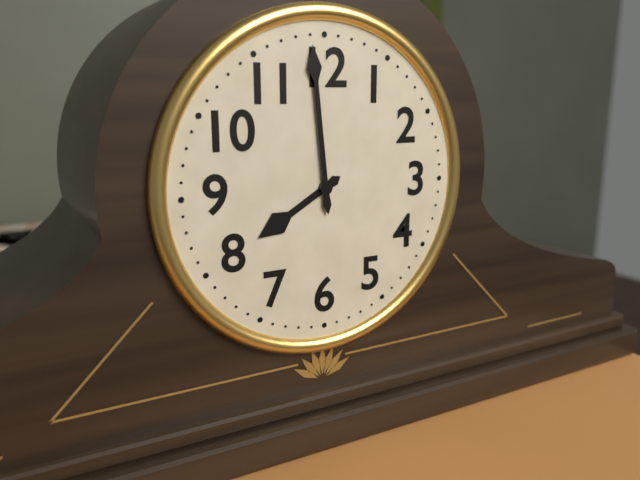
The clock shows **7:59**
